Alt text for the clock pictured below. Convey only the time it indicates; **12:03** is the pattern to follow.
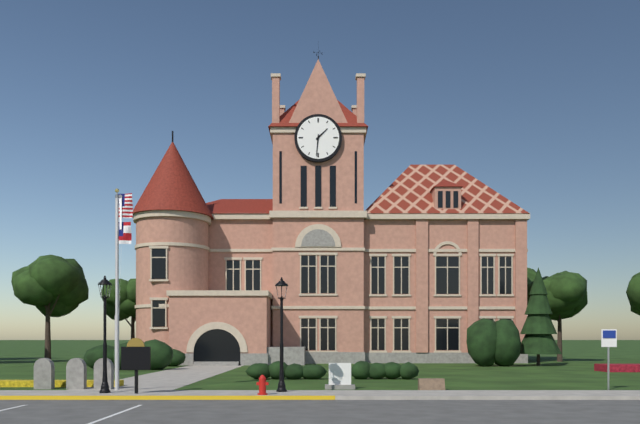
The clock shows **1:31**
